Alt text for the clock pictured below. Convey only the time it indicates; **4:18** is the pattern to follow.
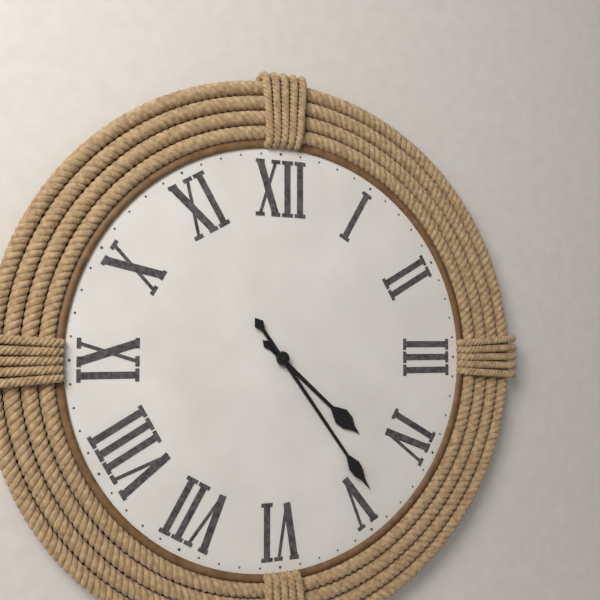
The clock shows **4:24**
